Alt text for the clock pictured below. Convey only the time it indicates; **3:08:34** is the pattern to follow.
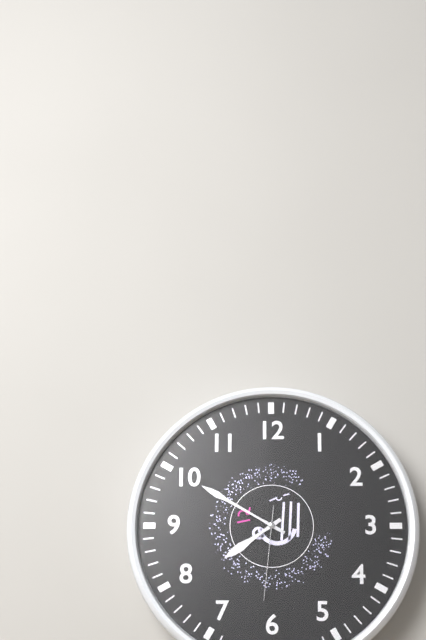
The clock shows **7:50:31**
